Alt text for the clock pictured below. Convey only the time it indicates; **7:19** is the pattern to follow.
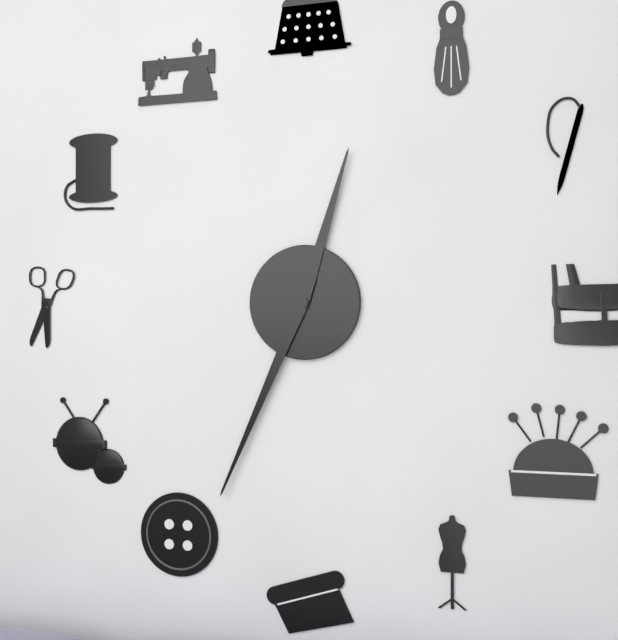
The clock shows **12:34**
